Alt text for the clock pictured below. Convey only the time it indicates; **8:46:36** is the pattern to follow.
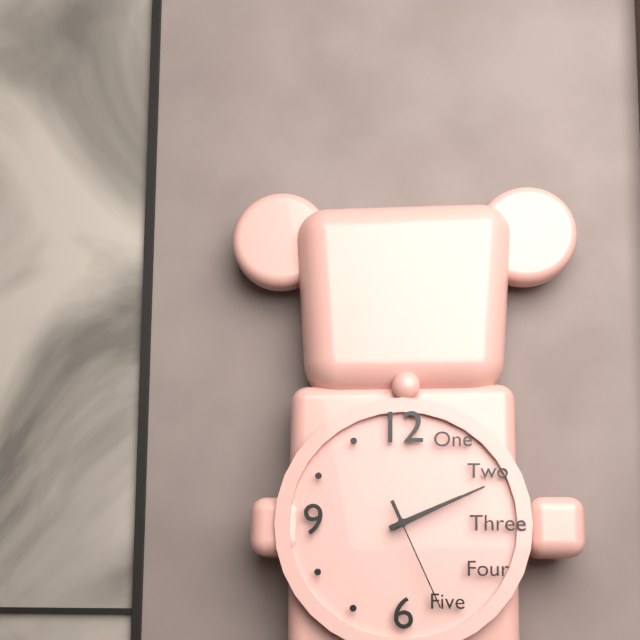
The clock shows **2:11:26**
